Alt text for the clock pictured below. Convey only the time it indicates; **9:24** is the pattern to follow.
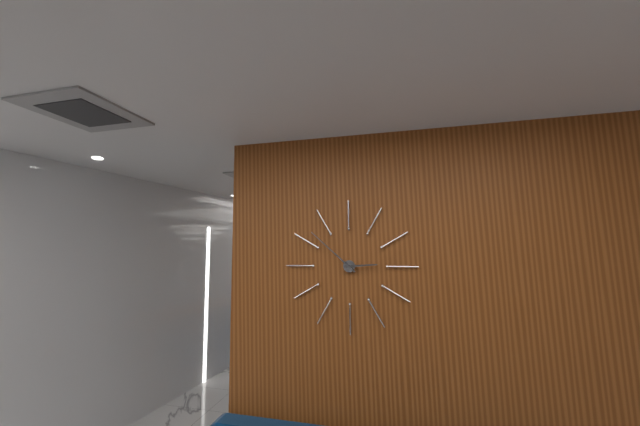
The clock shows **2:52**
